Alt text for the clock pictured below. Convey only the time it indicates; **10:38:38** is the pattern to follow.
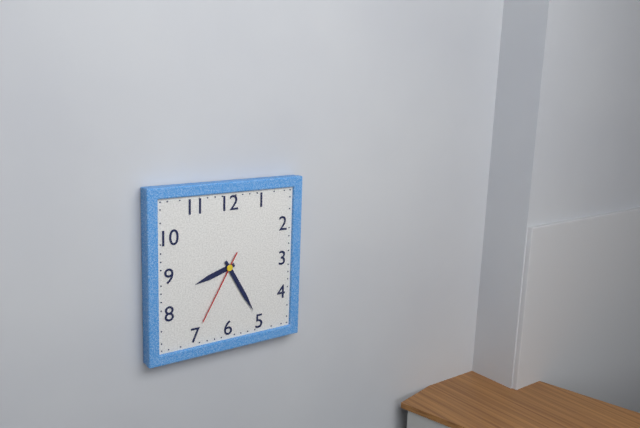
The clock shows **8:25:35**
